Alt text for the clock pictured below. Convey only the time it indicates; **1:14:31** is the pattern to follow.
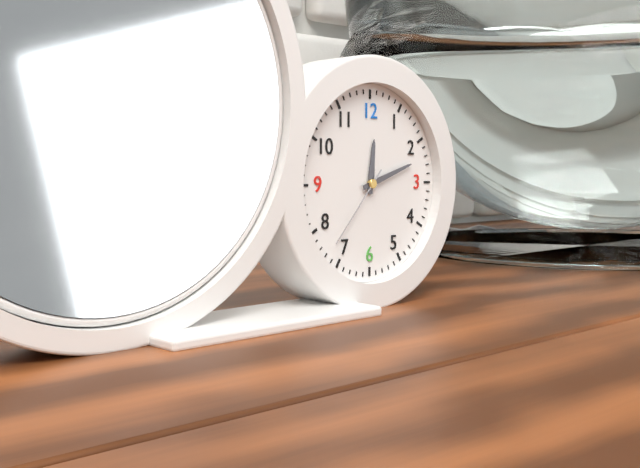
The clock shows **12:12:37**
